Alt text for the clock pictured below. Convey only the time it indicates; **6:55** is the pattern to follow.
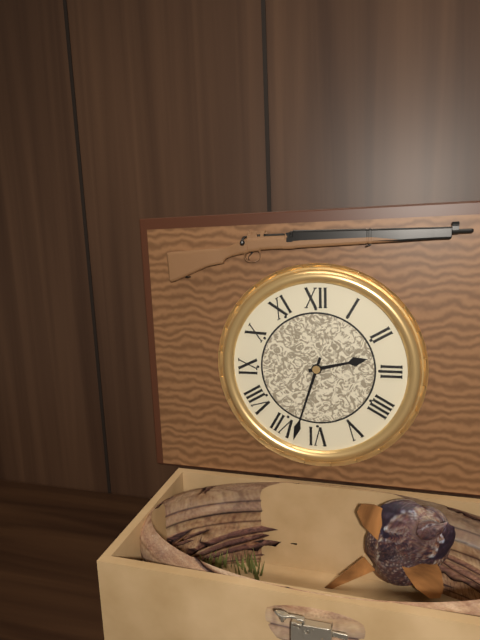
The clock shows **2:33**
